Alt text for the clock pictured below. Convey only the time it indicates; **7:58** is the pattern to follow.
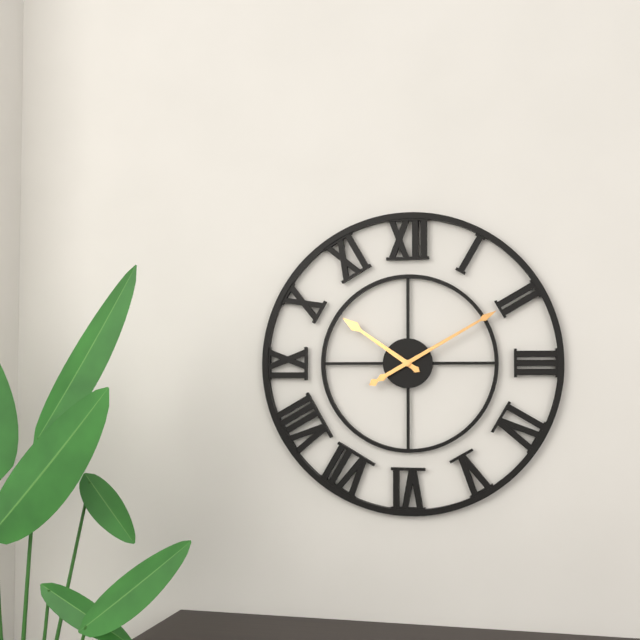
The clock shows **10:10**
